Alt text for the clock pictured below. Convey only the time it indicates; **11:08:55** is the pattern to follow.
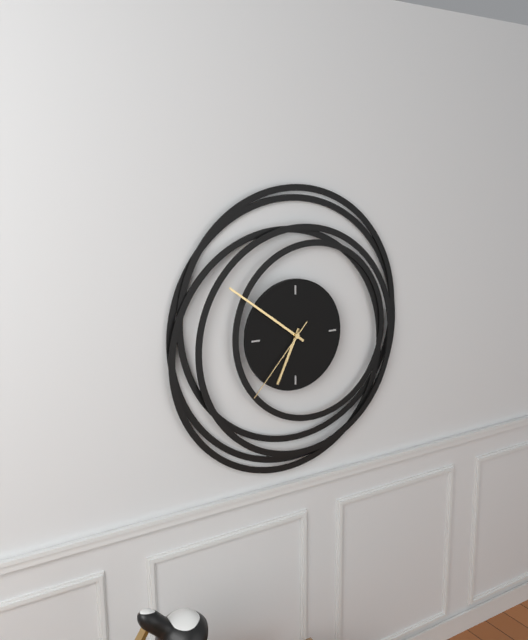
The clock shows **6:51:37**
